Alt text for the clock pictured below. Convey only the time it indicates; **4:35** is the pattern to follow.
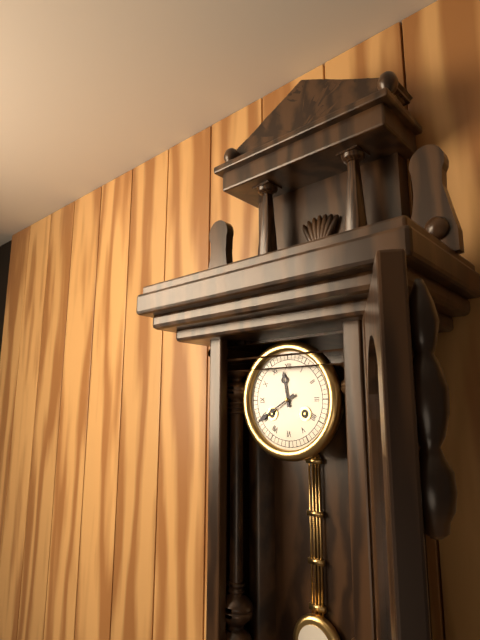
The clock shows **11:40**
